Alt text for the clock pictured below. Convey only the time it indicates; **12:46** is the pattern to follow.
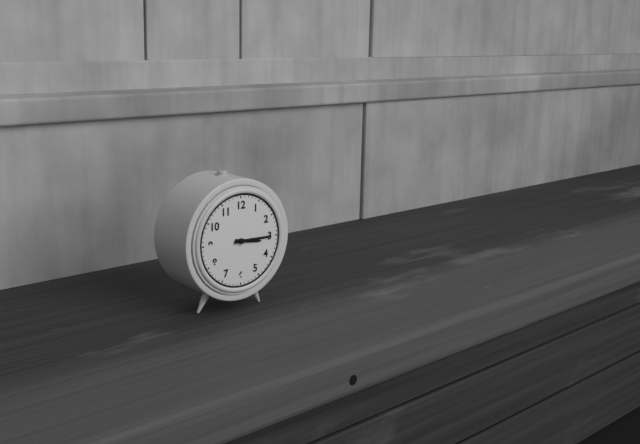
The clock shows **3:15**
